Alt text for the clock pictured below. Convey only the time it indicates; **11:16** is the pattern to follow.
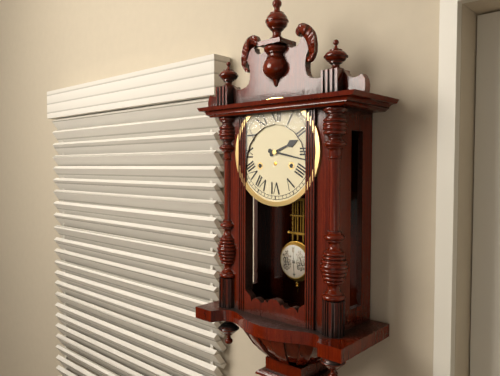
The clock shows **2:17**
